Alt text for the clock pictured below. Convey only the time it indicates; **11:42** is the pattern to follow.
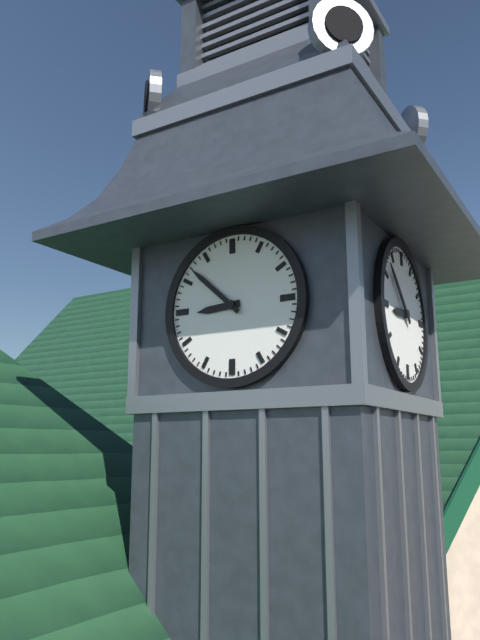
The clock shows **8:52**
